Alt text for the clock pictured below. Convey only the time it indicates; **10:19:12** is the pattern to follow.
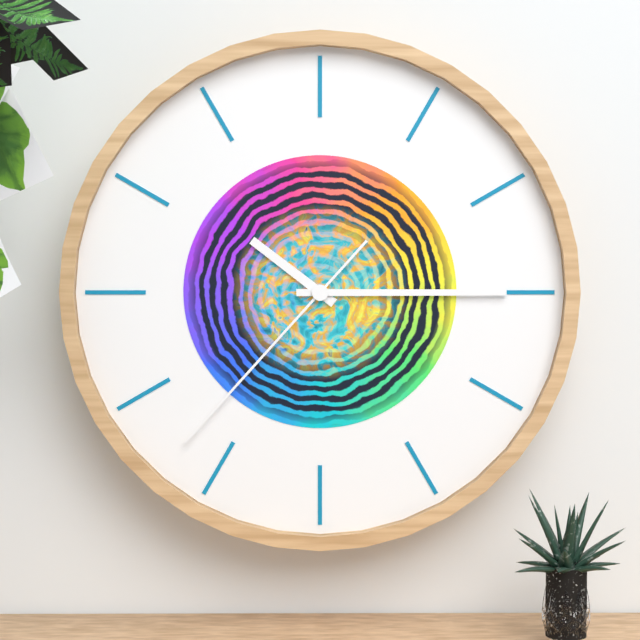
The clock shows **10:15:37**
